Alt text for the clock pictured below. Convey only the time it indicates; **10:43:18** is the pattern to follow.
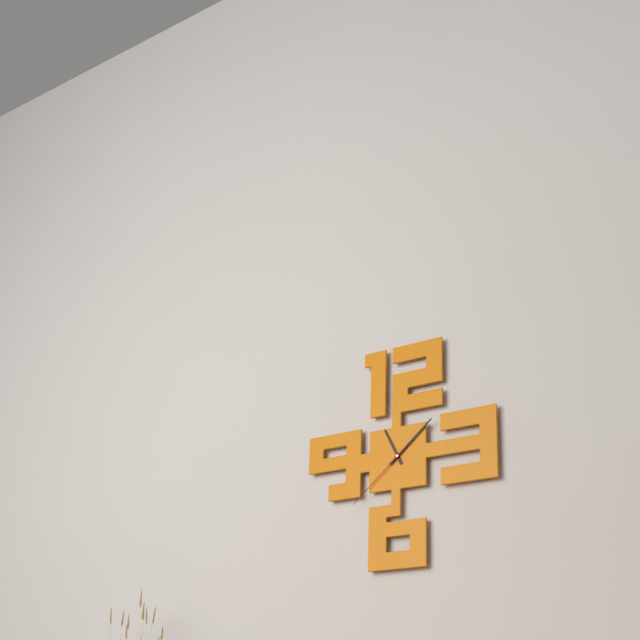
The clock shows **11:08:38**
